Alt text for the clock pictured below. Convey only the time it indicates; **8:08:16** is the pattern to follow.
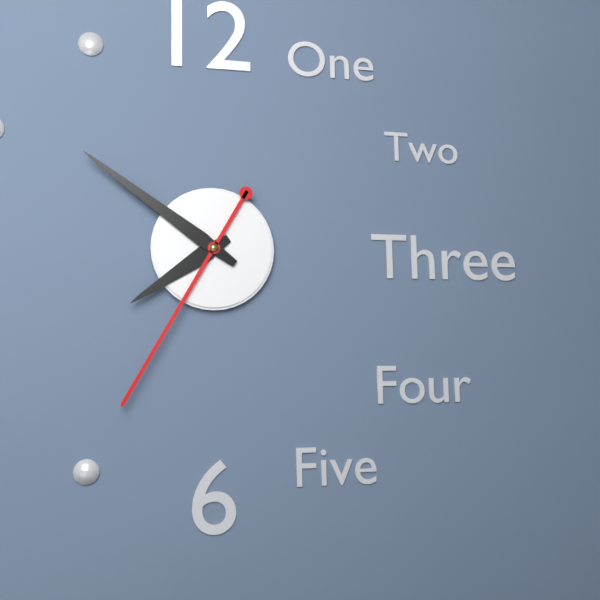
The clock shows **7:51:35**
